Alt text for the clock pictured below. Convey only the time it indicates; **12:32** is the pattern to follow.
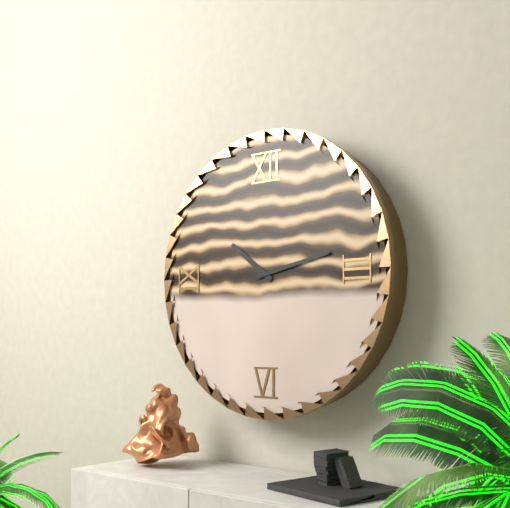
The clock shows **10:13**
